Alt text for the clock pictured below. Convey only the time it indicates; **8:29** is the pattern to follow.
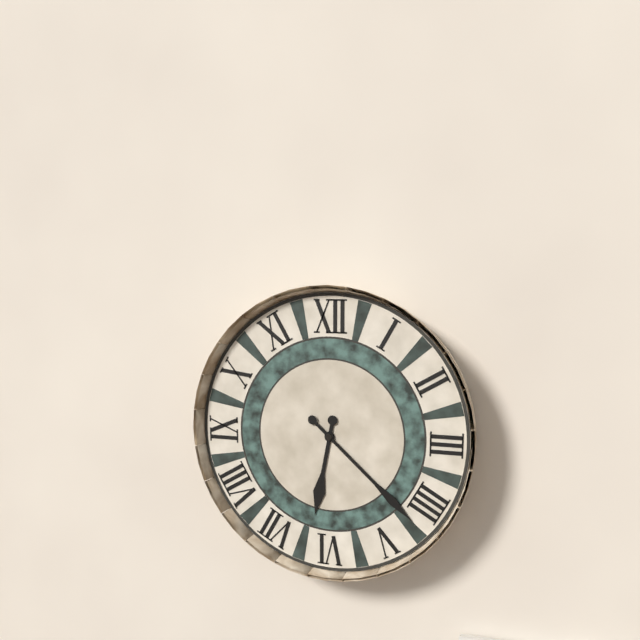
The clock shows **6:22**
